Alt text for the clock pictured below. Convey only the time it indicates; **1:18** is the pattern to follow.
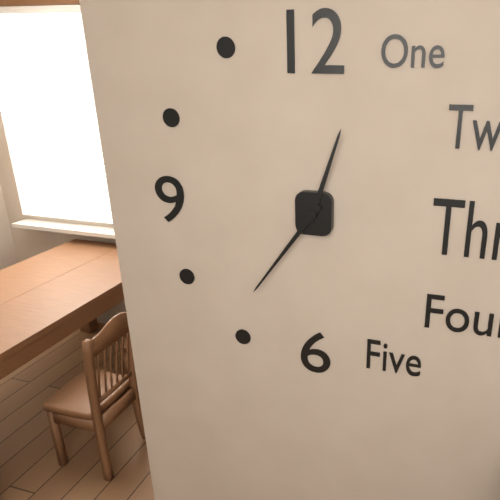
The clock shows **12:36**
